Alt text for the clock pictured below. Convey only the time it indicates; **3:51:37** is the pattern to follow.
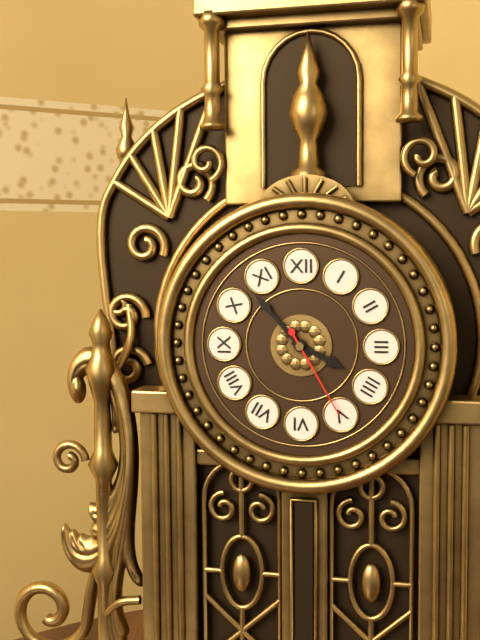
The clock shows **3:53:25**
